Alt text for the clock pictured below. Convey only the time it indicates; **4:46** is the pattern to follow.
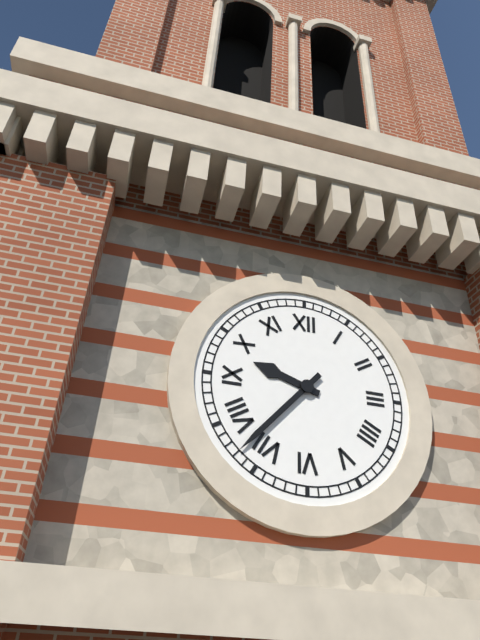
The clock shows **9:37**
